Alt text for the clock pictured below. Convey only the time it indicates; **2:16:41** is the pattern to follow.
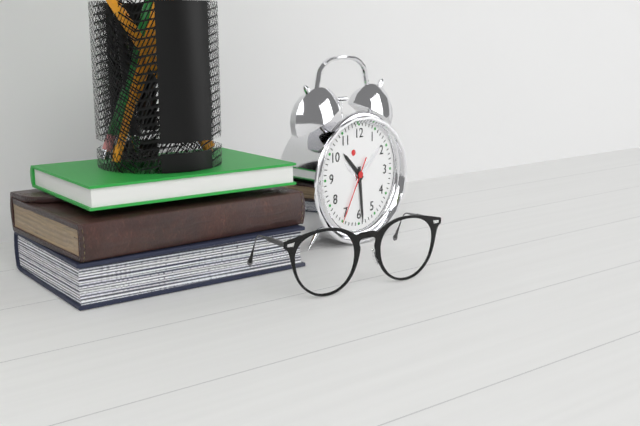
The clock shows **10:29:35**
